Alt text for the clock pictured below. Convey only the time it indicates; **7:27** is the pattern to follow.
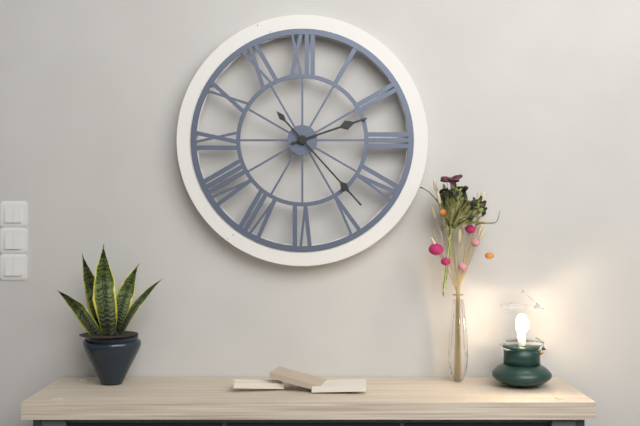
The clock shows **2:23**
